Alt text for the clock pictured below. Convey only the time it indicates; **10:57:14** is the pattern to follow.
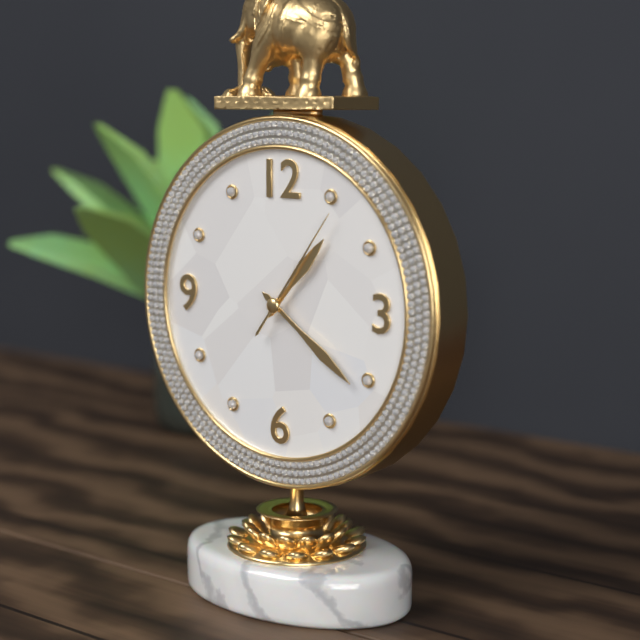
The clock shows **1:21:06**
